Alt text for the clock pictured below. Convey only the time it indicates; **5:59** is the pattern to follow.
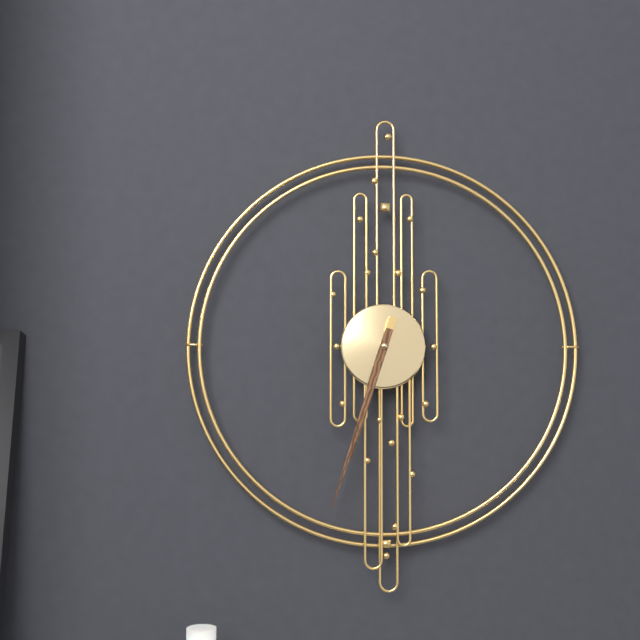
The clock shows **6:33**
